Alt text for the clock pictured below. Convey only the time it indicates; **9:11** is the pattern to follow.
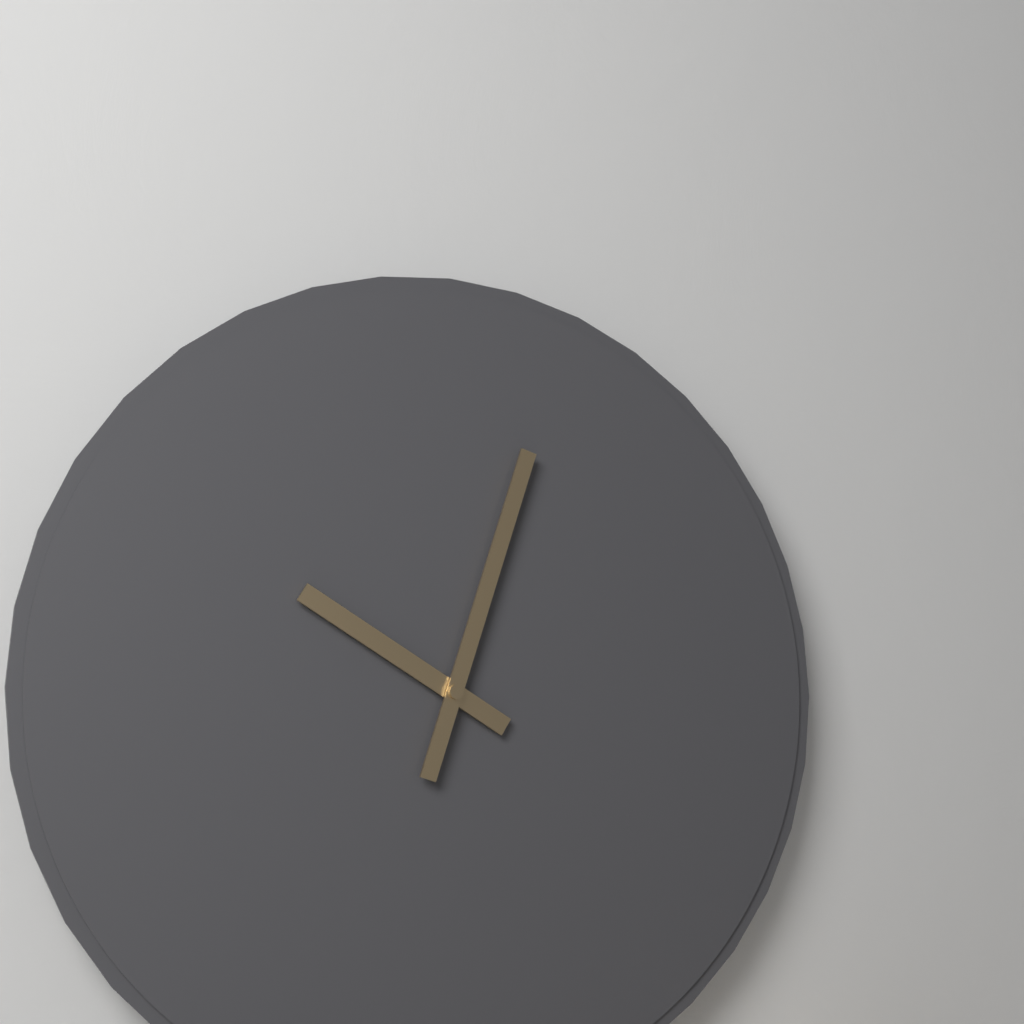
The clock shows **10:03**
